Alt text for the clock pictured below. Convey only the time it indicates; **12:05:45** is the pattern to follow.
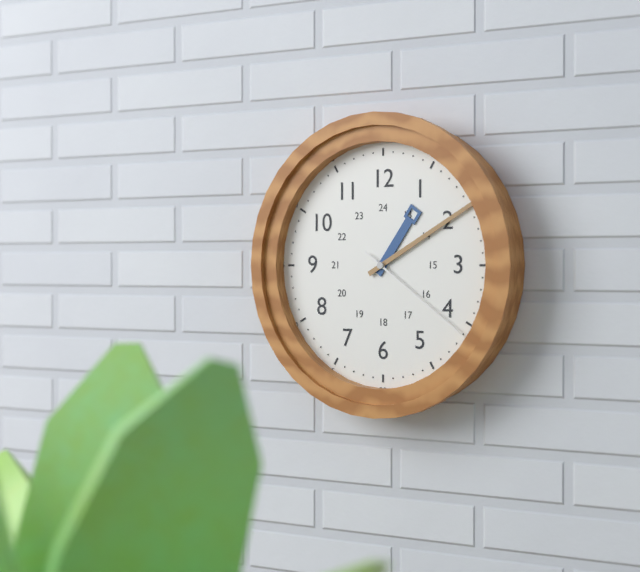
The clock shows **1:10:21**
